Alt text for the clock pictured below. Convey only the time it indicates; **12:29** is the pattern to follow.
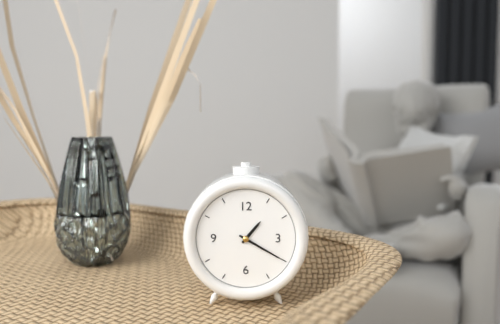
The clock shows **1:20**
